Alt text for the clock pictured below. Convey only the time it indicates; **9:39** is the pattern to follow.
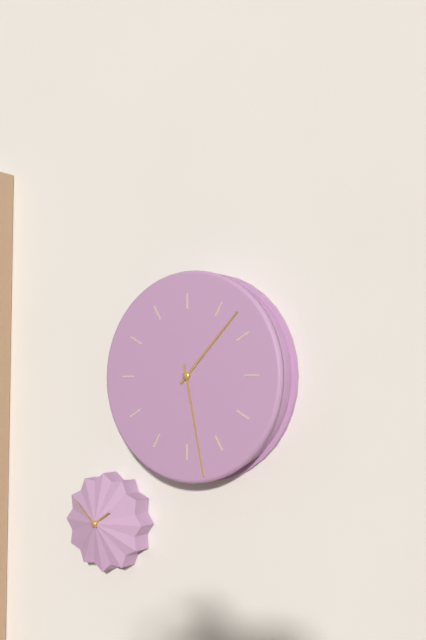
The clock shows **1:28**
